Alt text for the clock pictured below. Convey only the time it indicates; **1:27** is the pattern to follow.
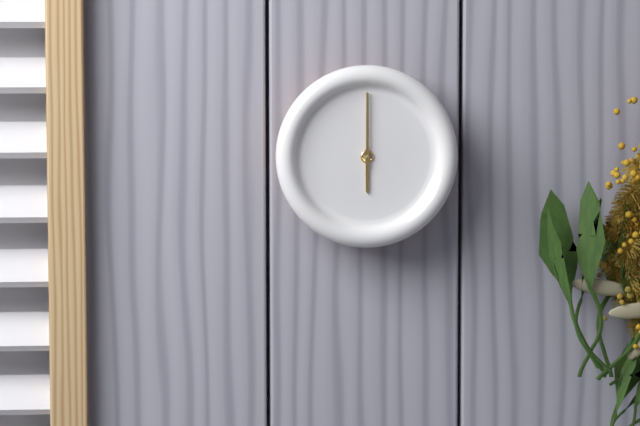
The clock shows **6:00**
